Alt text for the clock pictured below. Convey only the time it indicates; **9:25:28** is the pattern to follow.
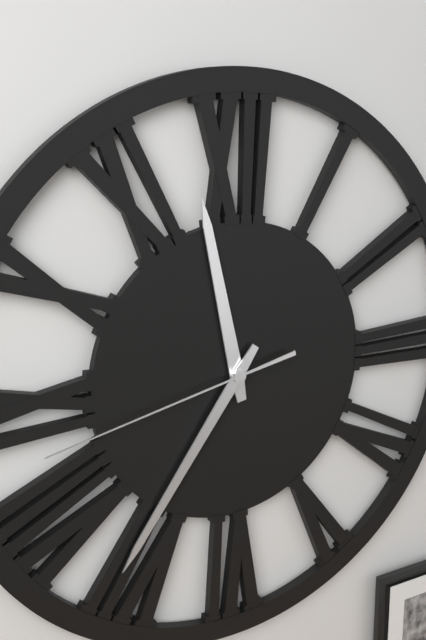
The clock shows **11:36:43**
